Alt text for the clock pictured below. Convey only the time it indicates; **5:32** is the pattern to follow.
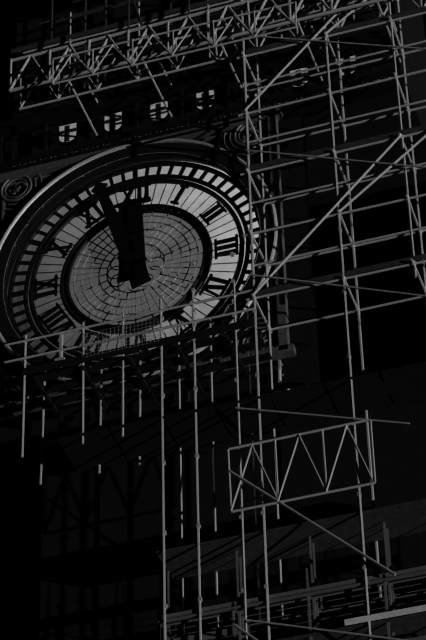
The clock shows **11:57**
